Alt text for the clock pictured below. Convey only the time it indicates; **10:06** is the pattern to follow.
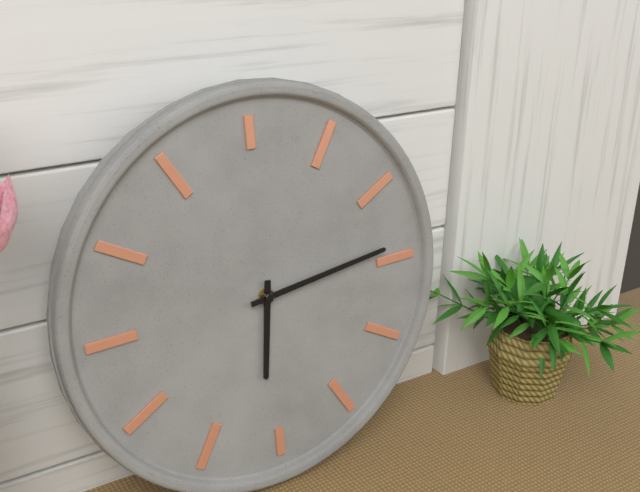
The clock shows **6:14**
